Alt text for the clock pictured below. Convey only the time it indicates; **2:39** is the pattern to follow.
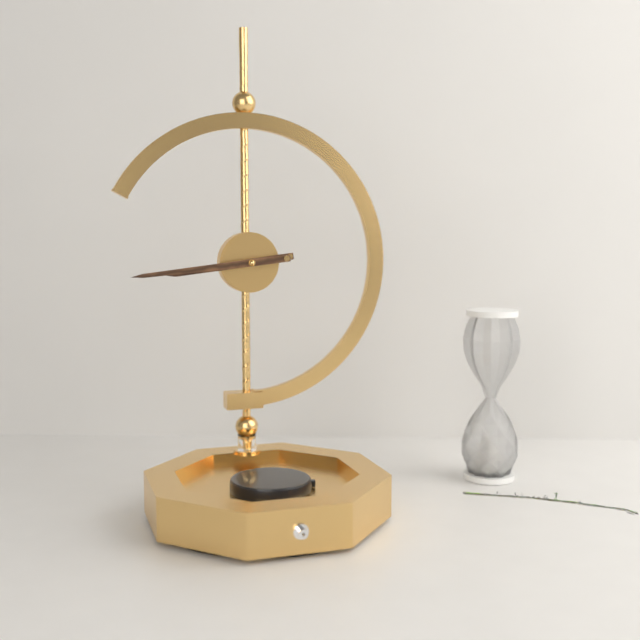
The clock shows **8:44**
